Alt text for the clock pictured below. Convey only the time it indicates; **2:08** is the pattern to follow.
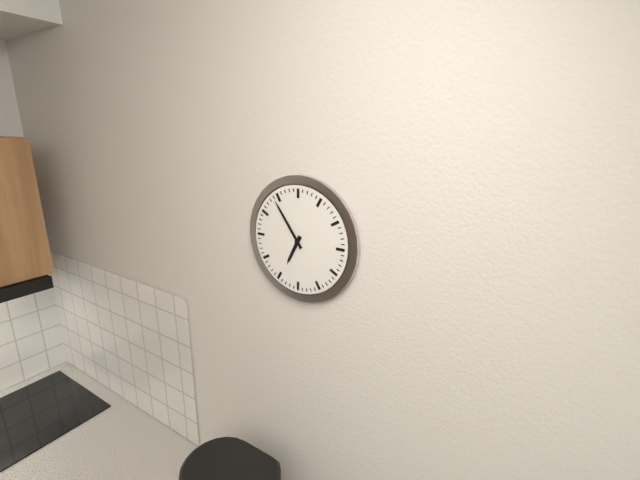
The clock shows **6:54**
